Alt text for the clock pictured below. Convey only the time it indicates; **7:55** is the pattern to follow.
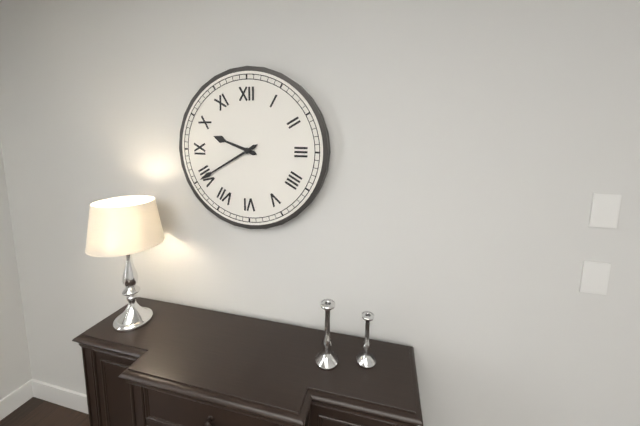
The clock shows **9:40**
